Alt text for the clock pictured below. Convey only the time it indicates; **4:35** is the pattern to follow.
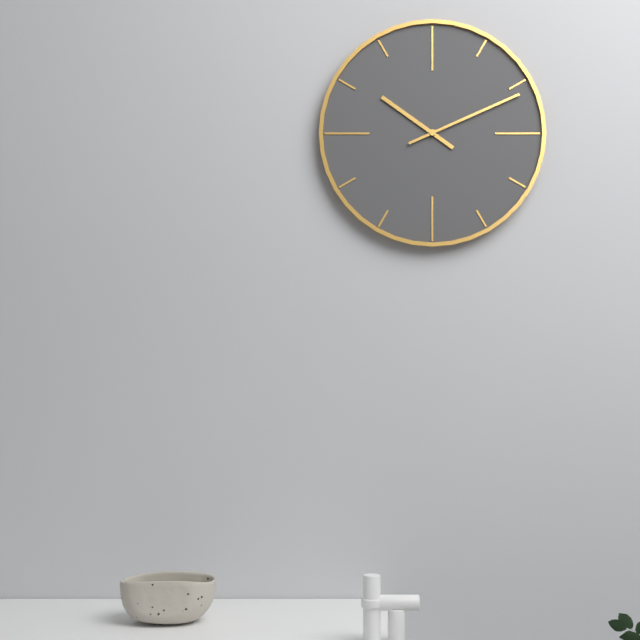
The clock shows **10:11**
